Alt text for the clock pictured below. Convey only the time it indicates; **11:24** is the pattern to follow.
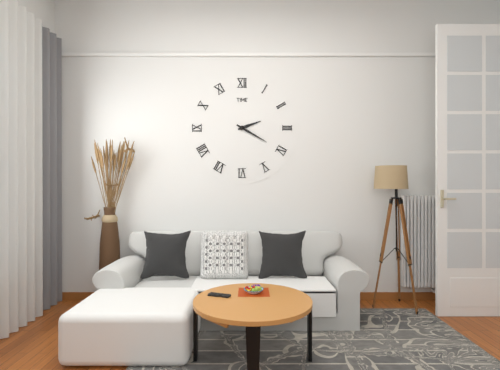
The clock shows **2:20**
